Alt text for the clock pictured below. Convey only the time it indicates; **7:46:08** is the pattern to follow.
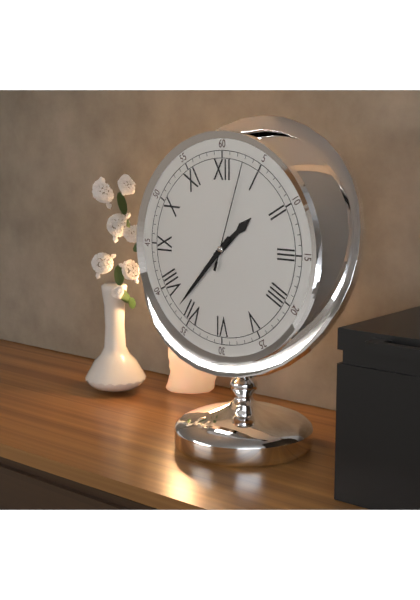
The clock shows **1:37:03**
